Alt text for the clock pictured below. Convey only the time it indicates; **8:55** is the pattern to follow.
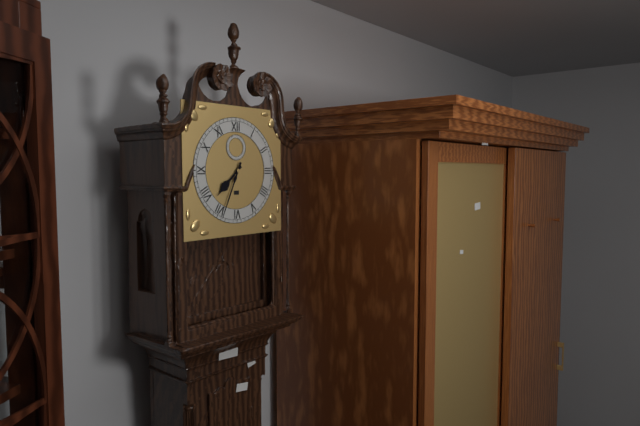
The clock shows **7:34**
